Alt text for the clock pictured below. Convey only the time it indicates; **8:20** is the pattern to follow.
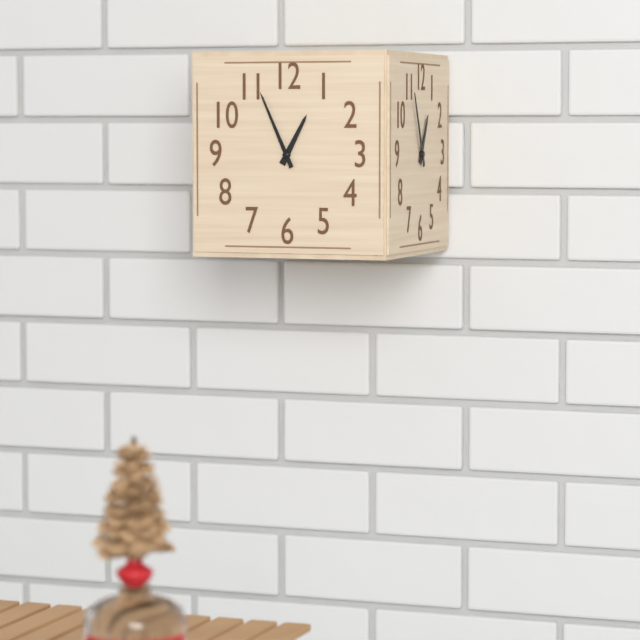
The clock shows **12:56**
